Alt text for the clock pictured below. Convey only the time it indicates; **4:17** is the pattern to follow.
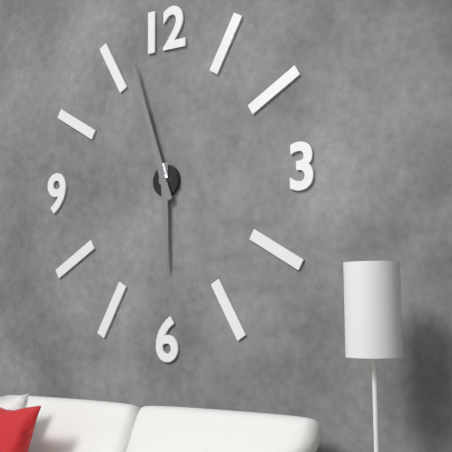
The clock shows **5:57**
